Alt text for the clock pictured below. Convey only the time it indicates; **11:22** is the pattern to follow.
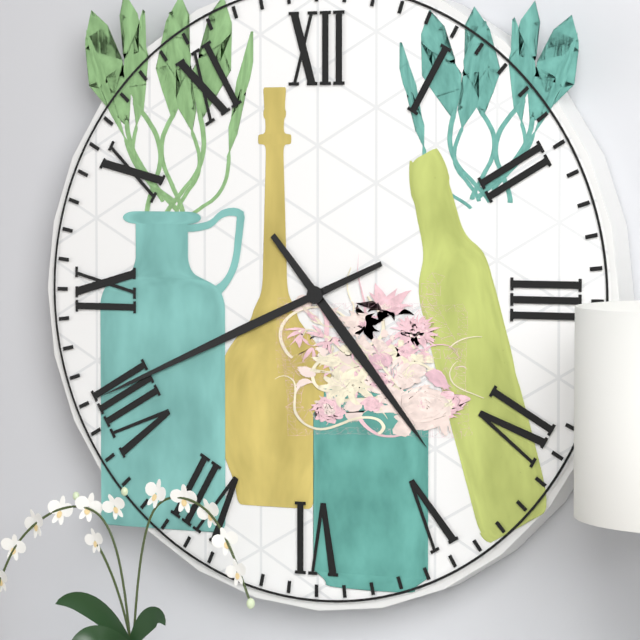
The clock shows **4:41**
